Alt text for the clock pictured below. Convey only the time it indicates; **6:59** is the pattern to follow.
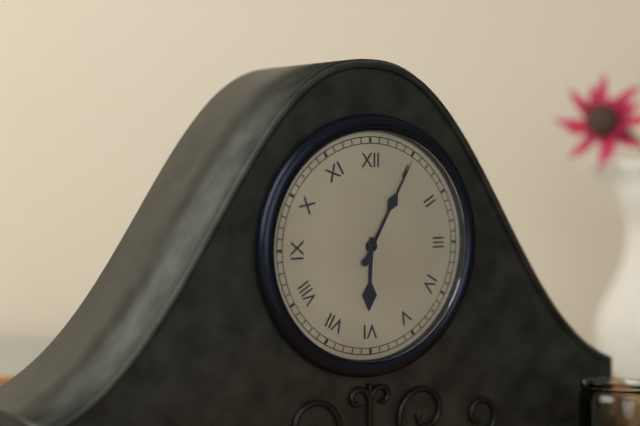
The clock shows **6:05**
